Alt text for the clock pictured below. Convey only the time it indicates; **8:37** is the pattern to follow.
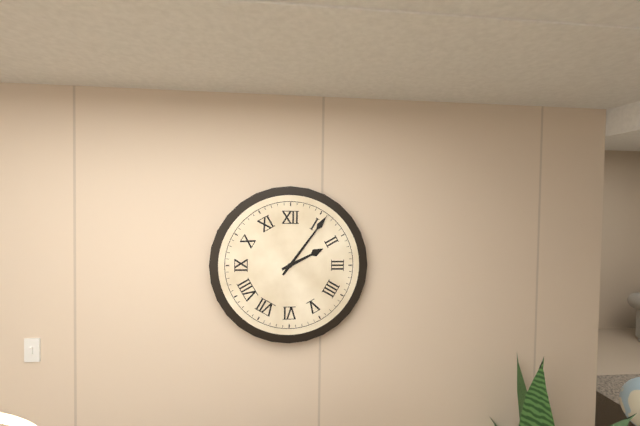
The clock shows **2:06**
